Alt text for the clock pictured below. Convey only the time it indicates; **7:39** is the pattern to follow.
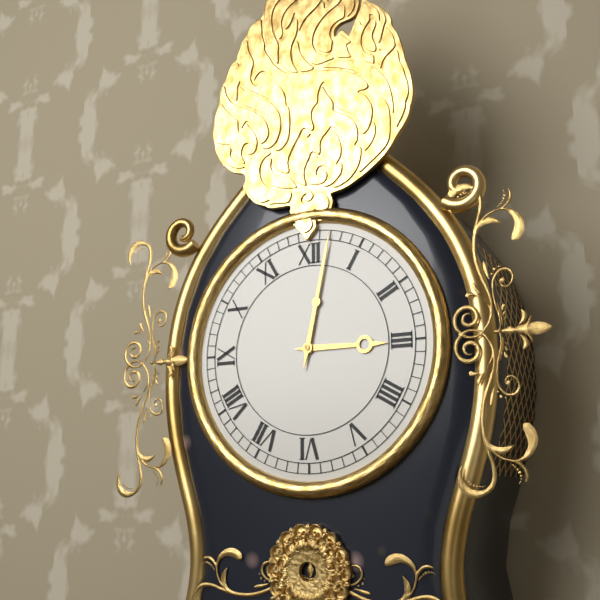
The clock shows **3:02**
